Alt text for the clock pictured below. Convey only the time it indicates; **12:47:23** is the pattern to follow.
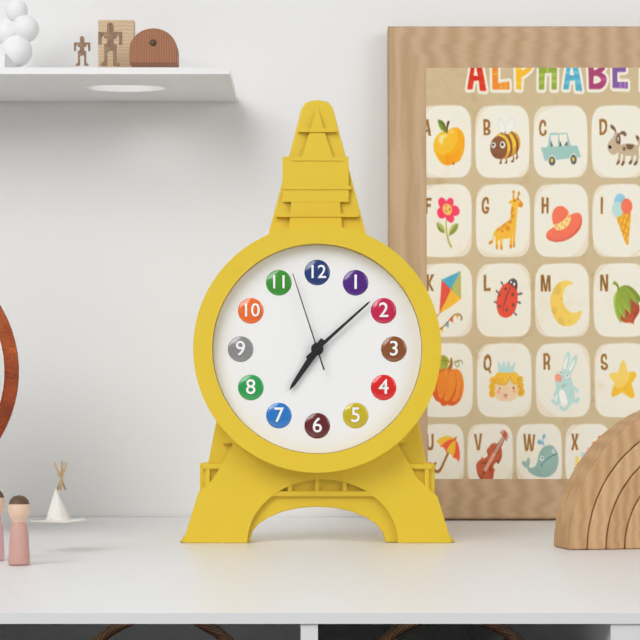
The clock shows **7:08:57**
